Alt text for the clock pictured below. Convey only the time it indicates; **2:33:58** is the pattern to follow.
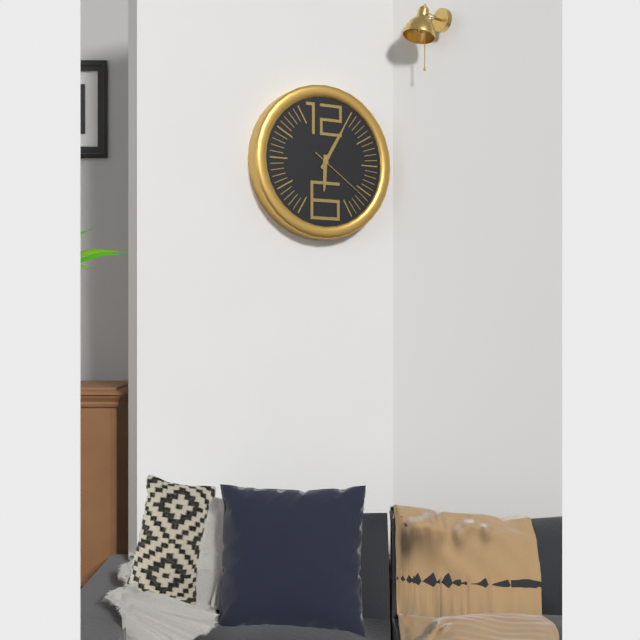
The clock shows **6:05:21**
